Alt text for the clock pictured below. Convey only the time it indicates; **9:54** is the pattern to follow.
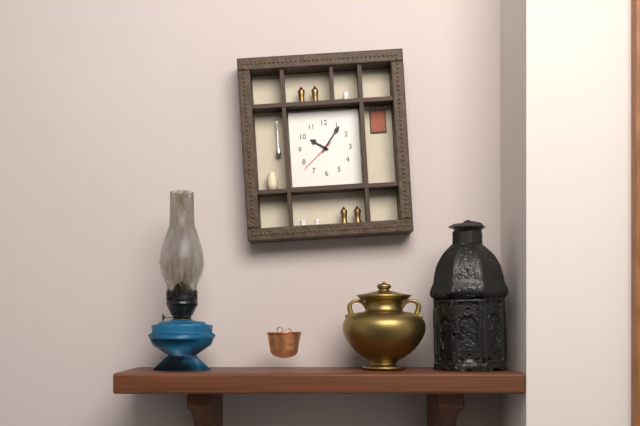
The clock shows **10:06**
